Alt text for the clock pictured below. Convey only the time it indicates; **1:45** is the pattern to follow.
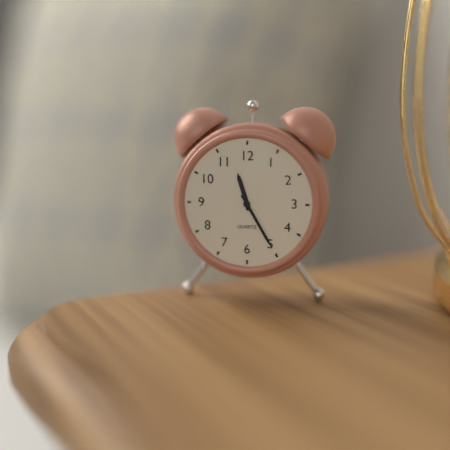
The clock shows **11:25**
